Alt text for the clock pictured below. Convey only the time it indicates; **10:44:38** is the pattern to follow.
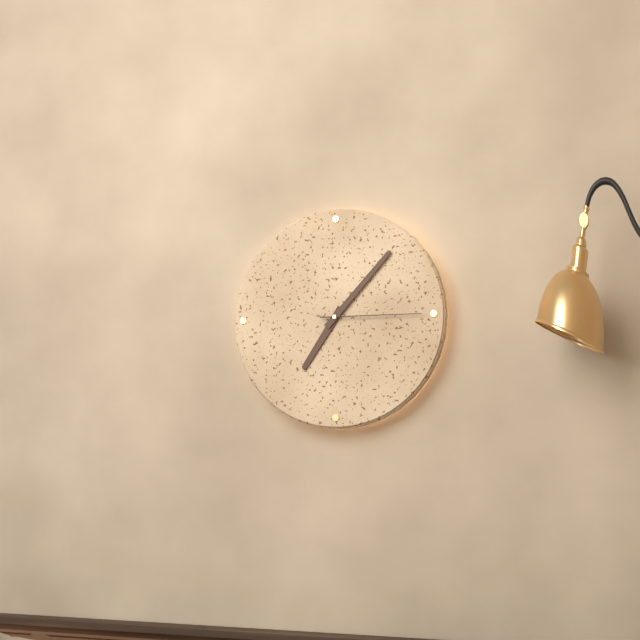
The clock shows **7:07:15**
